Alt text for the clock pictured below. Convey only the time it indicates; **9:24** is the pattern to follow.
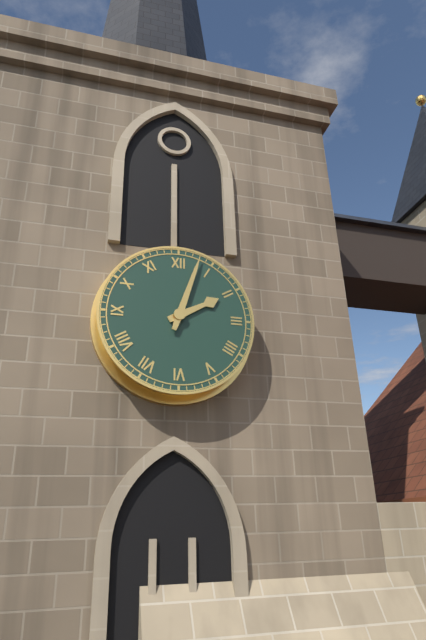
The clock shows **2:03**
